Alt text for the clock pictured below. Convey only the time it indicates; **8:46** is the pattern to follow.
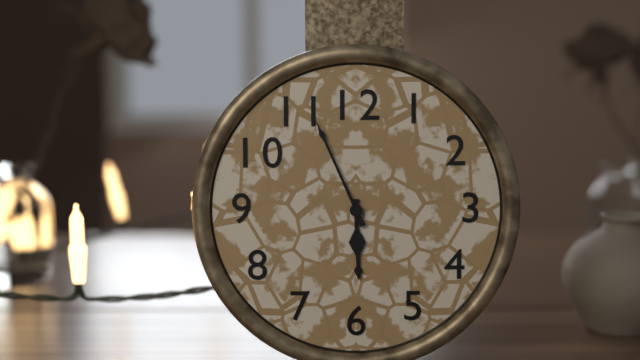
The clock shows **5:56**
